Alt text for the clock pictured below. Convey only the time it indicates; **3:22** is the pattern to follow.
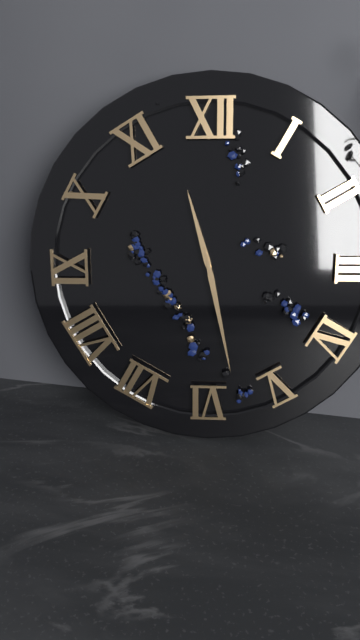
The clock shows **11:28**
